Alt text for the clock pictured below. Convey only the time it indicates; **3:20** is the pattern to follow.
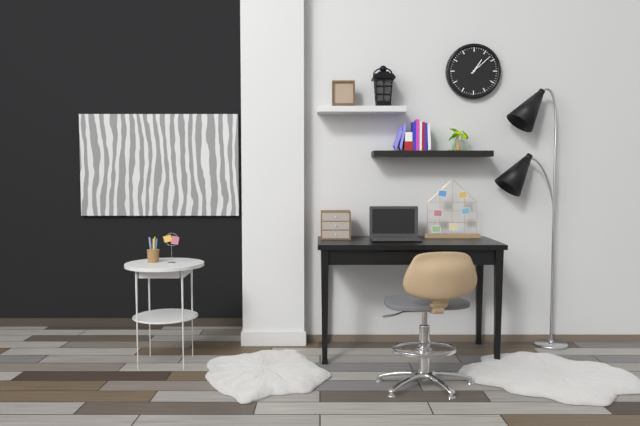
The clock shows **1:08**
